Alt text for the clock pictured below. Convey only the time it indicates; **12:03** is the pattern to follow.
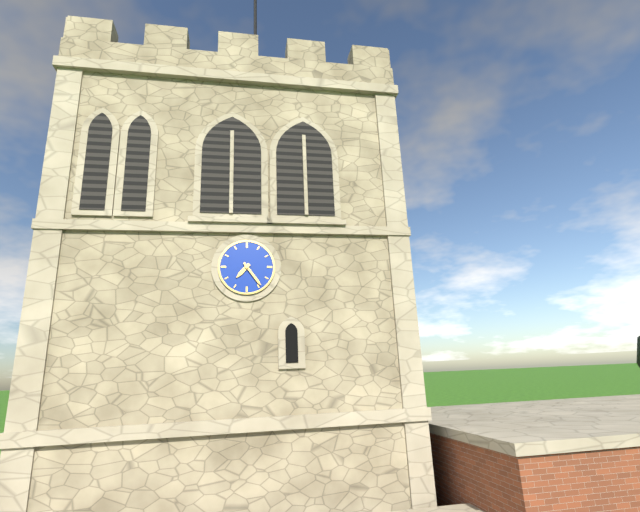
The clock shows **7:24**
